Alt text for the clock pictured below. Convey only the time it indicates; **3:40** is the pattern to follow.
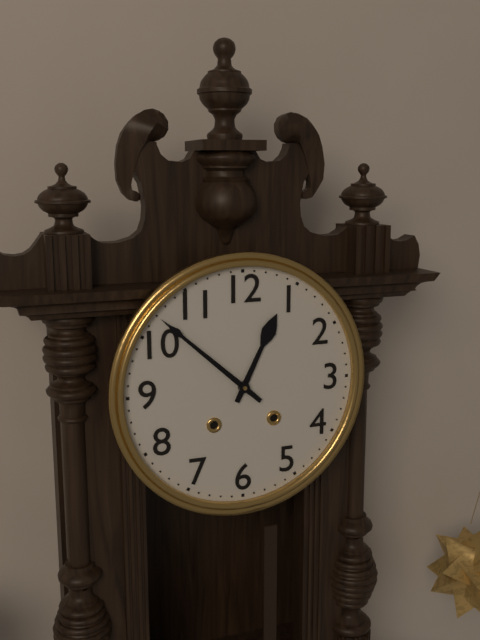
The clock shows **12:52**
